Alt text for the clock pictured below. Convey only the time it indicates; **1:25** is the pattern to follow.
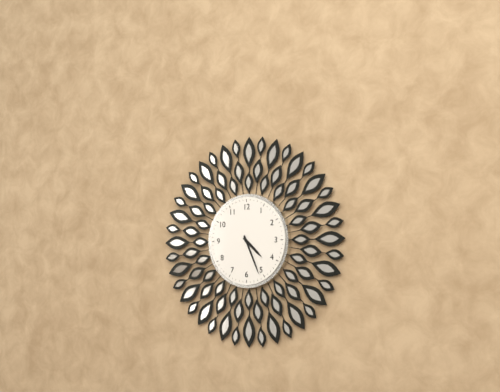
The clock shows **4:26**
